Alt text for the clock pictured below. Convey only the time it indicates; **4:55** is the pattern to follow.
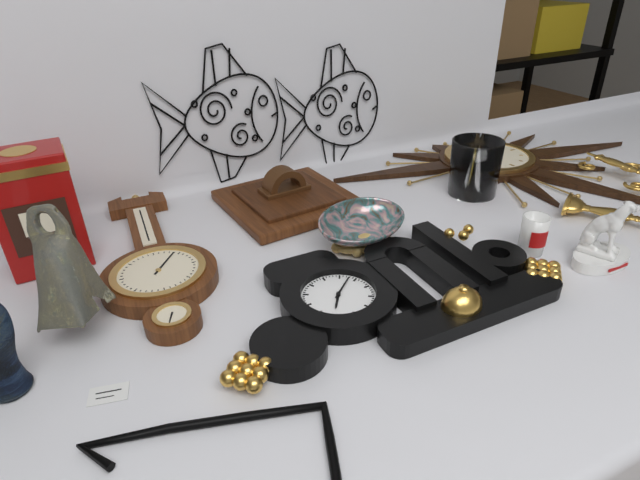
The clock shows **7:08**
